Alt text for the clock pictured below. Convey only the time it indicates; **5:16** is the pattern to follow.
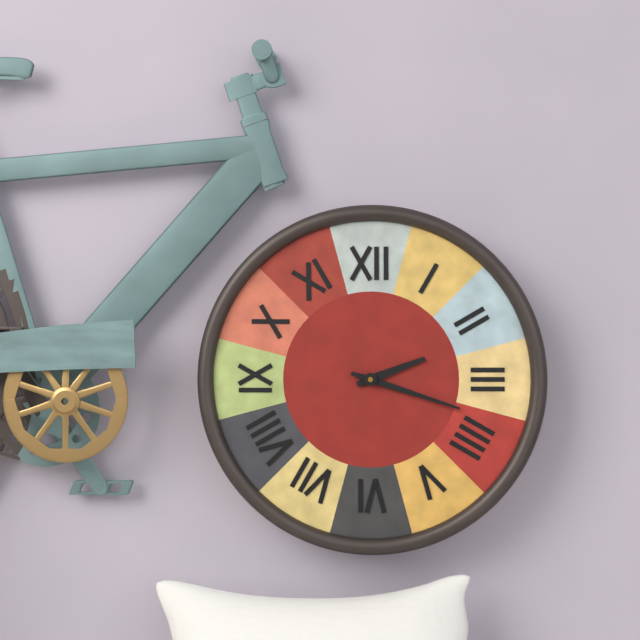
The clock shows **2:18**
